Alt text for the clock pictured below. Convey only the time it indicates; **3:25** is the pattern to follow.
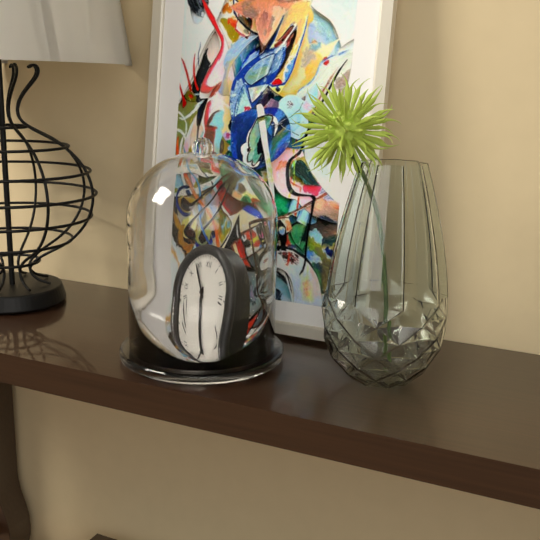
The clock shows **5:54**
